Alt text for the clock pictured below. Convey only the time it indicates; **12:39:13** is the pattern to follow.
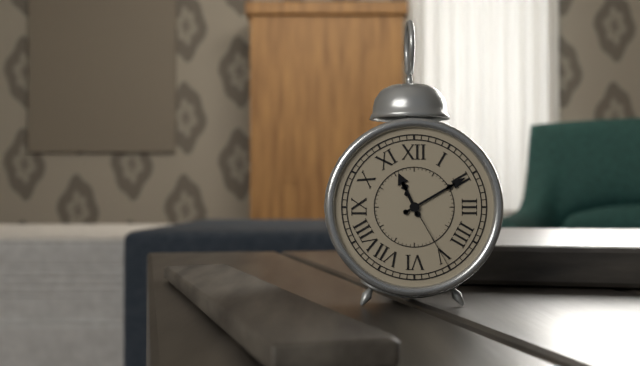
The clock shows **11:10:25**
